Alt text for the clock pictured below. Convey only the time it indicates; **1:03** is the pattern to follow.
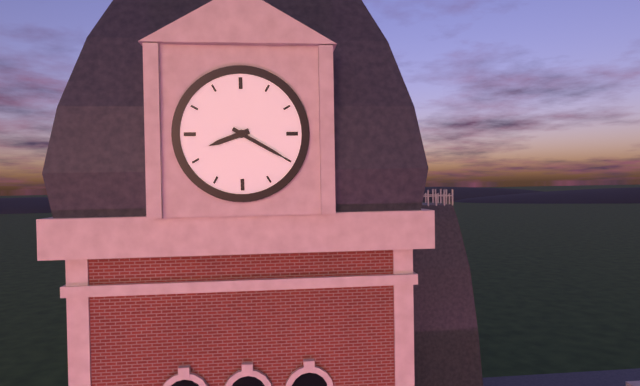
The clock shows **8:20**
